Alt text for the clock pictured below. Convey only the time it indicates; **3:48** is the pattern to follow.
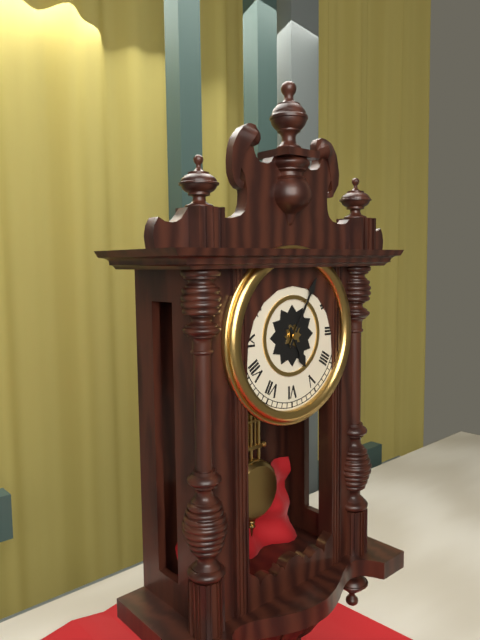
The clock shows **5:05**
